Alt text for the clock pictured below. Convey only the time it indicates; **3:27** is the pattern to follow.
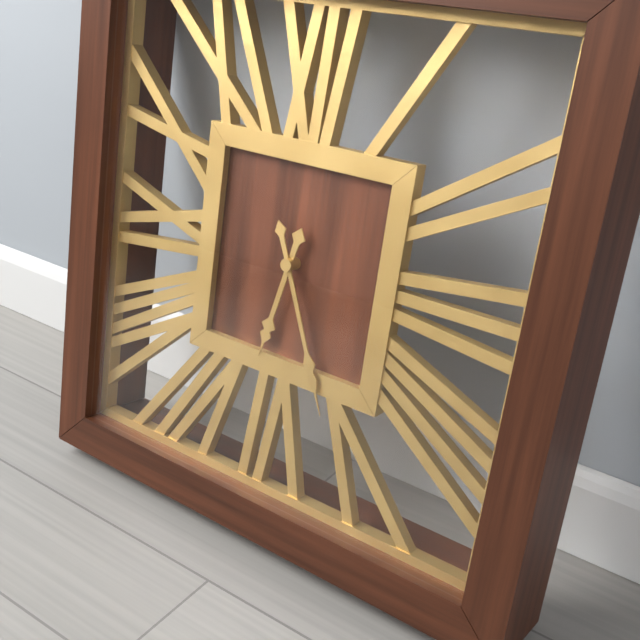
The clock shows **6:26**
